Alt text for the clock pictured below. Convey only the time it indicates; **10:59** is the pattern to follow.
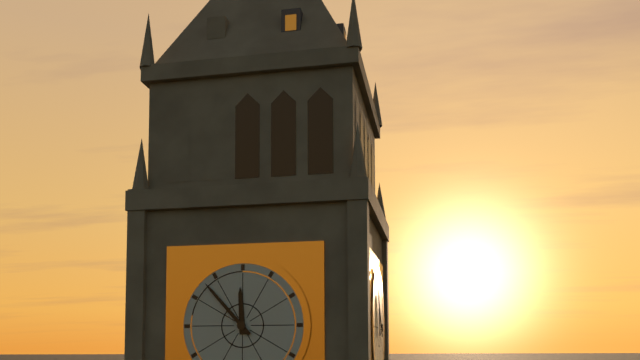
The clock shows **11:53**
